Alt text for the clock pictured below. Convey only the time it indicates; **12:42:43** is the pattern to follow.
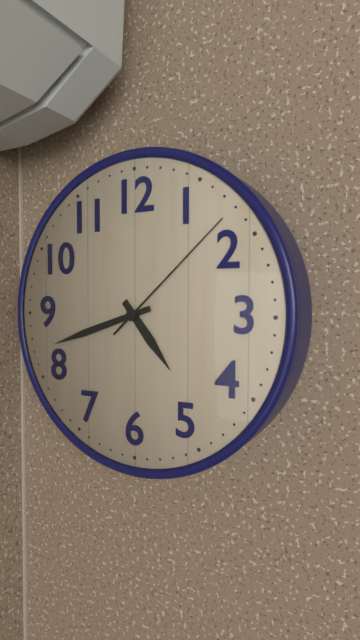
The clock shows **4:42:08**
